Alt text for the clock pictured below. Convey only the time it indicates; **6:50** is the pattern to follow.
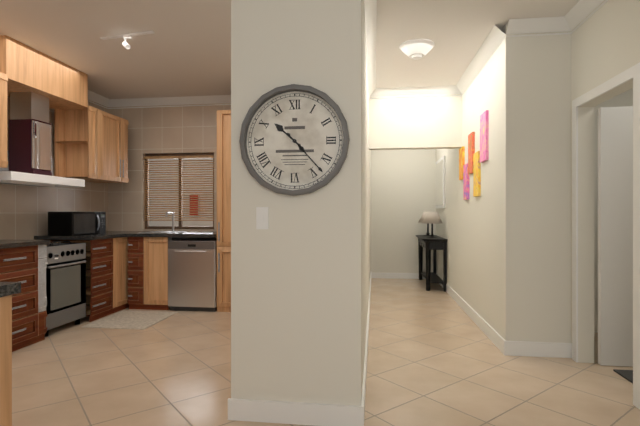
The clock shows **10:23**
